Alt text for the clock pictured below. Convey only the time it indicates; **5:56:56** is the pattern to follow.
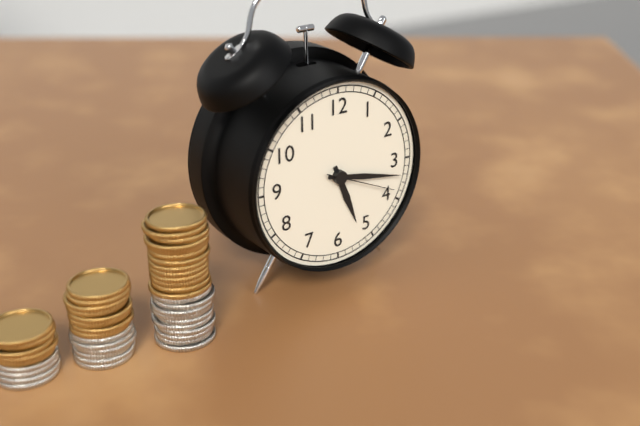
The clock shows **5:17:19**
